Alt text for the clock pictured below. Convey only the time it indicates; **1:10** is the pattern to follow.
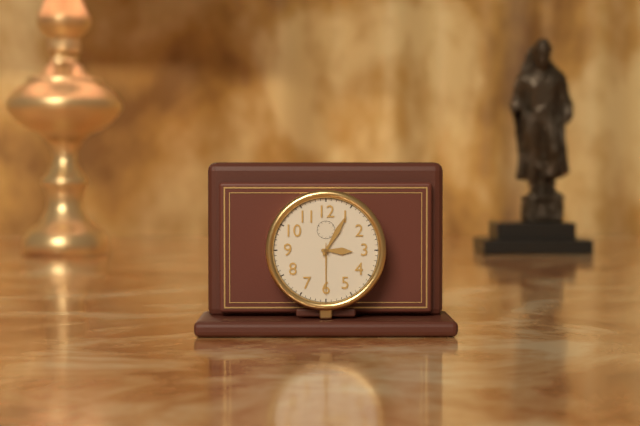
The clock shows **3:05**
